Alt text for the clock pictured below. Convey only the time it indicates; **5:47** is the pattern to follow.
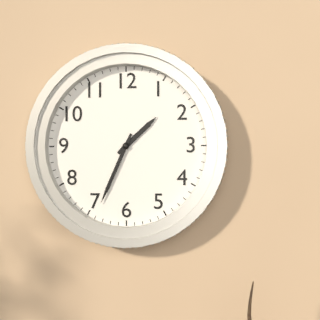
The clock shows **1:34**
